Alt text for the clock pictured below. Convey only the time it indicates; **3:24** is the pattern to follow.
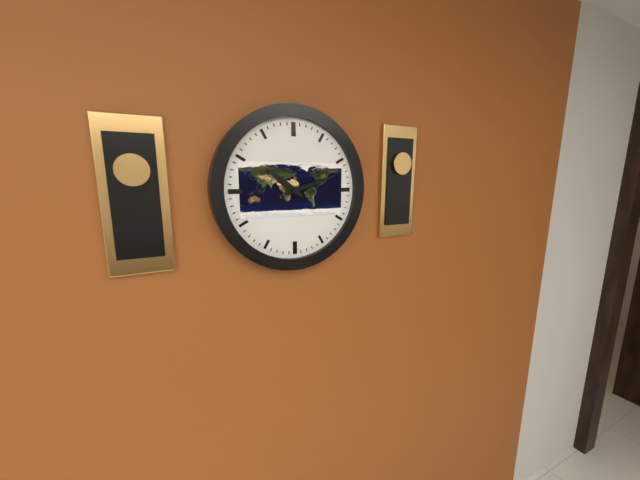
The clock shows **10:12**
